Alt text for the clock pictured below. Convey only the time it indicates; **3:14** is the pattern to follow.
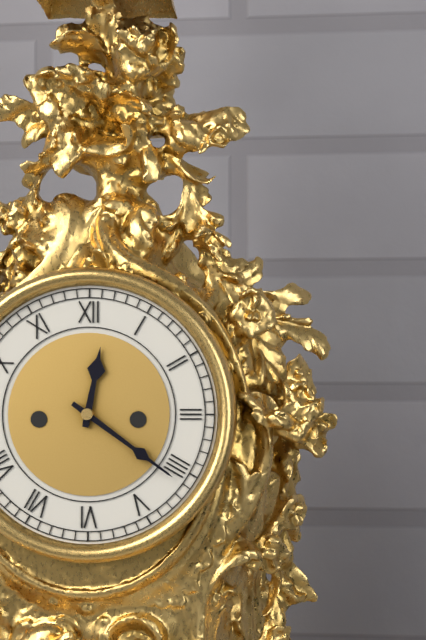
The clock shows **12:21**
